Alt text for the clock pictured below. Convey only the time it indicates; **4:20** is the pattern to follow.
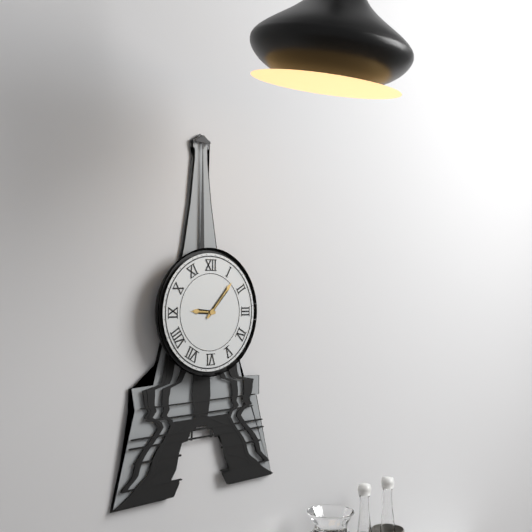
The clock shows **9:07**
